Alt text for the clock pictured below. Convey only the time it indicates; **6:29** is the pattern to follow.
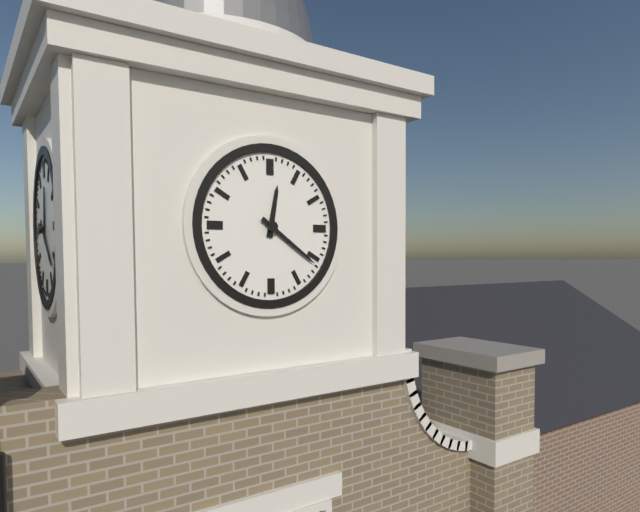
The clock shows **12:21**
